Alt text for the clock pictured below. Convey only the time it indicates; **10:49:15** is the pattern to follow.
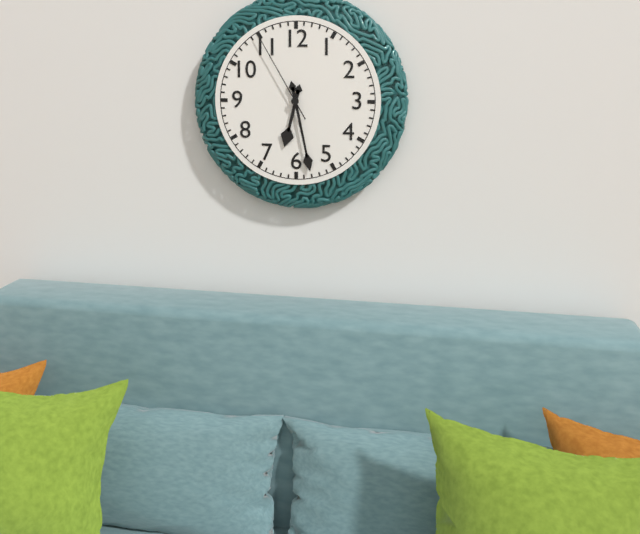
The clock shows **6:28:55**
